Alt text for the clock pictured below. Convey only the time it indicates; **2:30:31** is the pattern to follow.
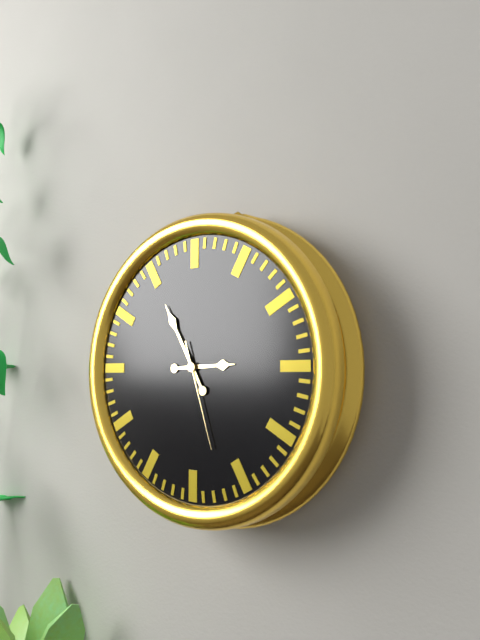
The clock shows **2:55:27**
